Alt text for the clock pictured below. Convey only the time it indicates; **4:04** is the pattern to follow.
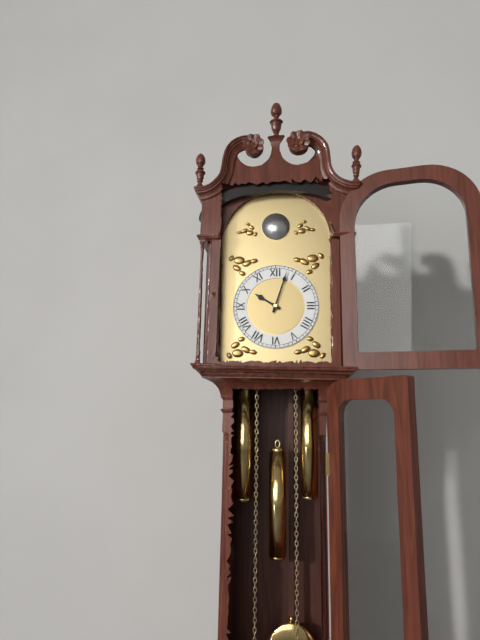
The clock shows **10:03**
